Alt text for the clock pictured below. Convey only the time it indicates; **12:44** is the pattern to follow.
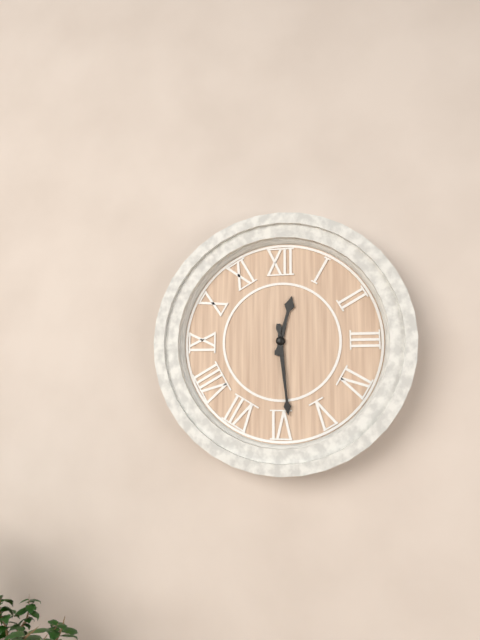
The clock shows **12:29**
